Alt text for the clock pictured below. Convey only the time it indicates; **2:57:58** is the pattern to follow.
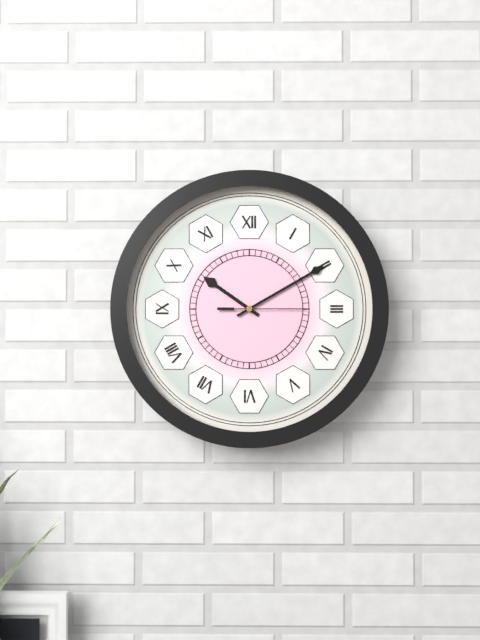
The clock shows **10:10:15**
